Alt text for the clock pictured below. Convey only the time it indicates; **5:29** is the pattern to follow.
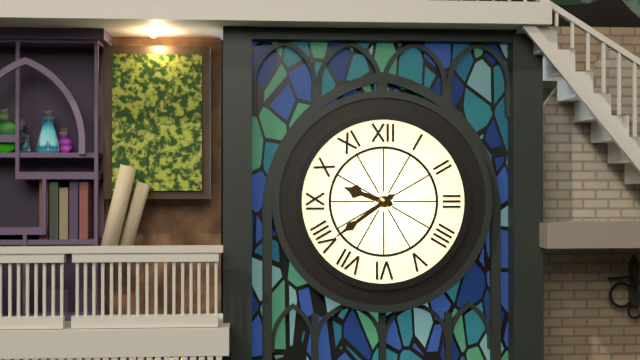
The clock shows **9:39**
